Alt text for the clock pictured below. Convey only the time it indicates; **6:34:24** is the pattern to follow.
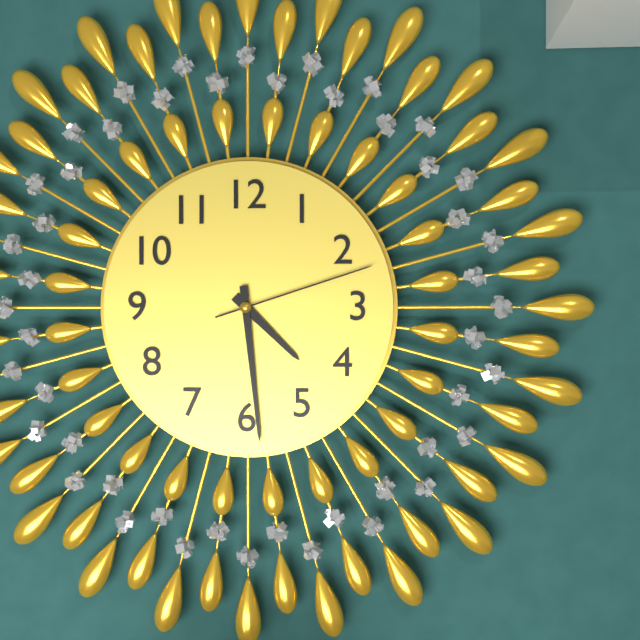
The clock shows **4:29:12**
